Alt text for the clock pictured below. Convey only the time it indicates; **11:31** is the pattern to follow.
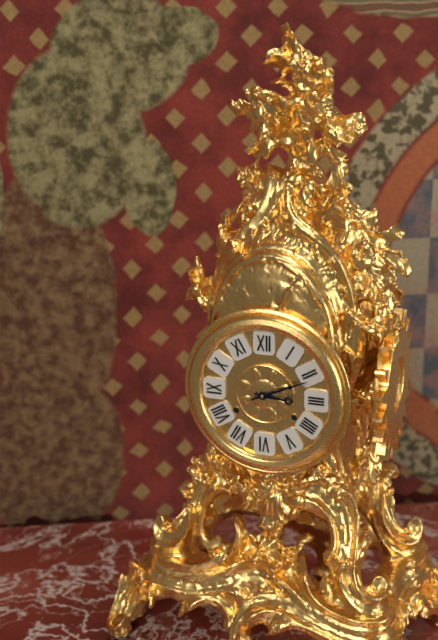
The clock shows **3:11**
